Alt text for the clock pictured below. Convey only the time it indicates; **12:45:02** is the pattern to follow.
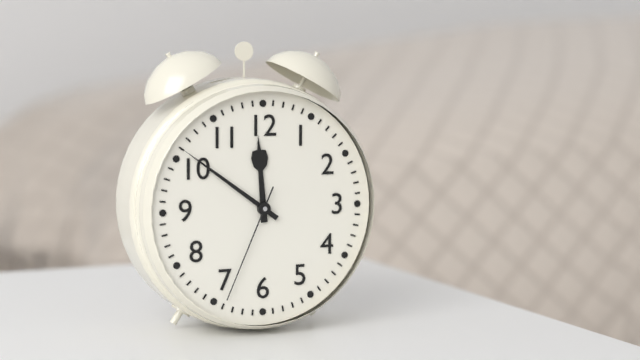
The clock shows **11:51:34**
